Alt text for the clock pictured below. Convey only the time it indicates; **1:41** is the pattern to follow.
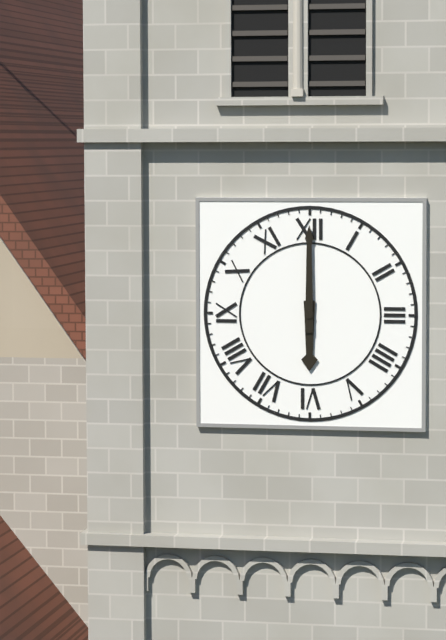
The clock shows **6:00**
